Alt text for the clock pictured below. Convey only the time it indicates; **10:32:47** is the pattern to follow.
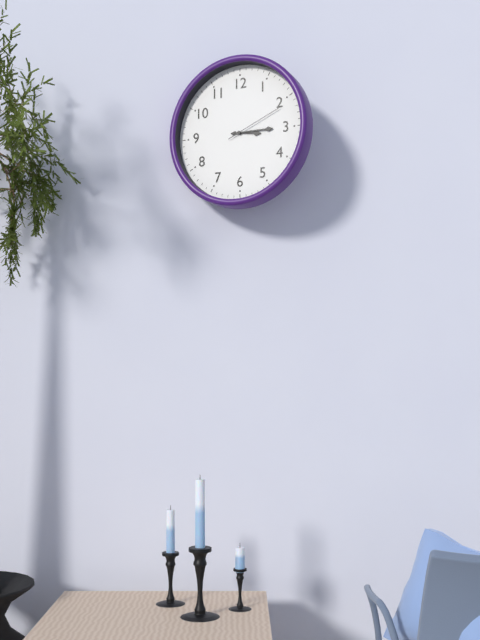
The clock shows **3:15:11**
